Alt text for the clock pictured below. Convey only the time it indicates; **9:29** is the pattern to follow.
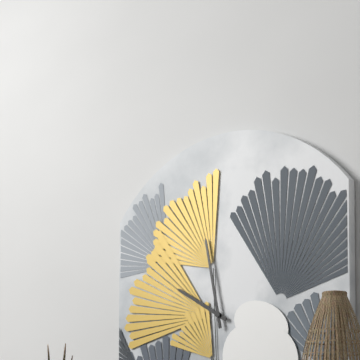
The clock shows **9:58**
